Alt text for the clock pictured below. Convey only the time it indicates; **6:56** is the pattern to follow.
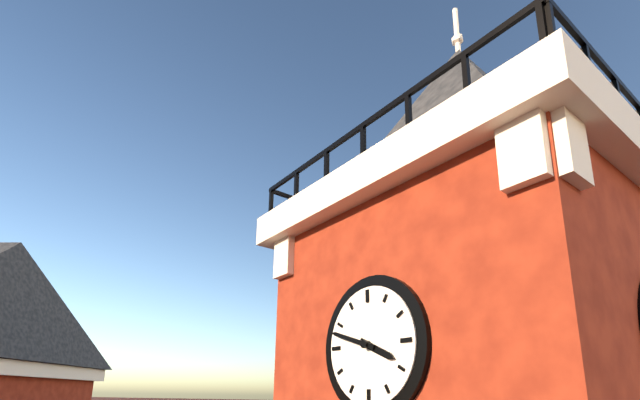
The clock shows **3:48**
